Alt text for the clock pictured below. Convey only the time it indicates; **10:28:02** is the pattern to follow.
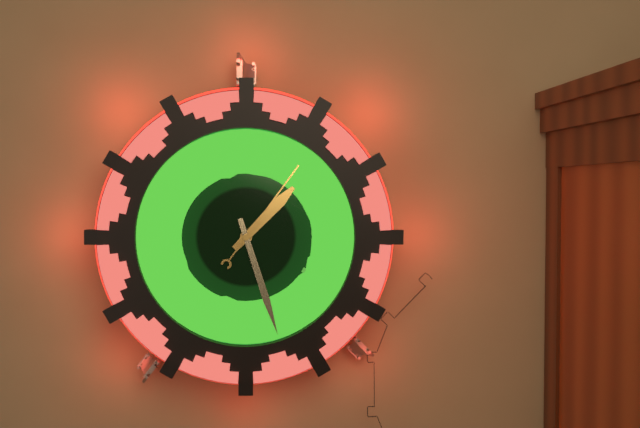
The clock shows **1:27:06**
